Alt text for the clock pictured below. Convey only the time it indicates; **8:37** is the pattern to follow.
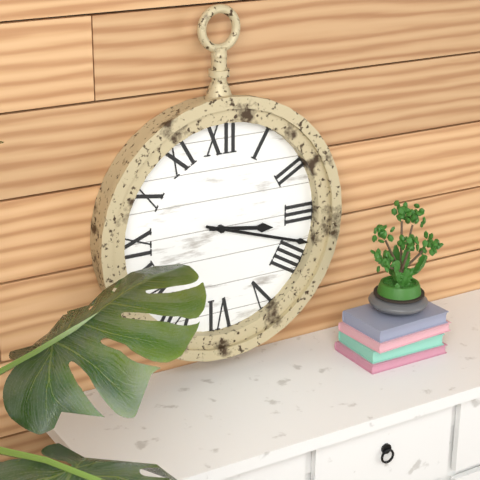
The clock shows **3:18**
